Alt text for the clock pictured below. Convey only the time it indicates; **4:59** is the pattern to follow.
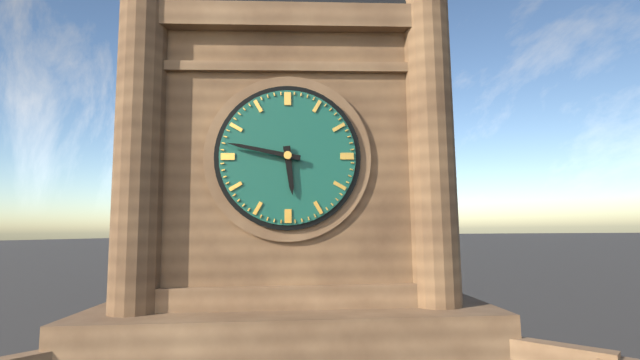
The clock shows **5:47**
